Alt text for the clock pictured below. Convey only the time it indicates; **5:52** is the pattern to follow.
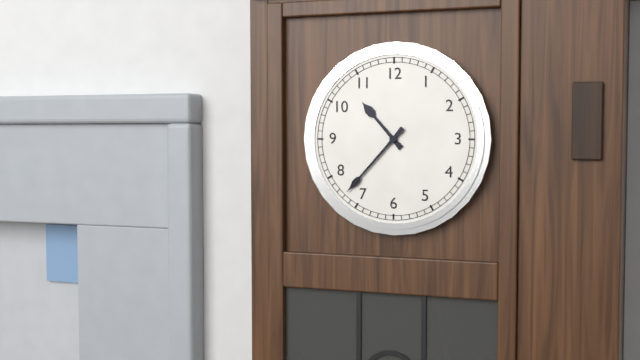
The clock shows **10:37**
